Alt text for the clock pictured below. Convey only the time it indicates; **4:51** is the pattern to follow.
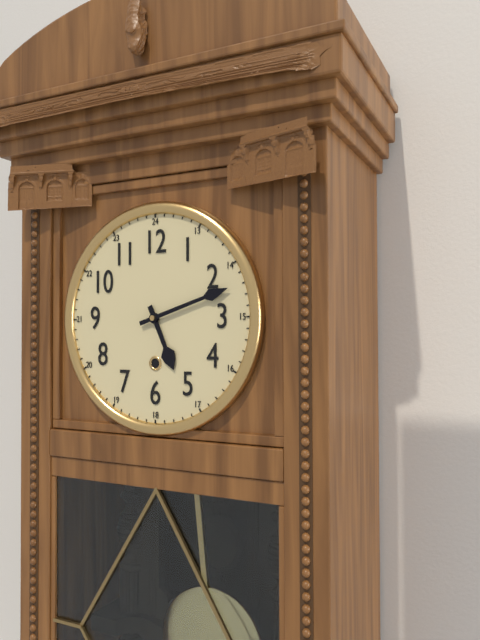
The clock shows **5:12**
